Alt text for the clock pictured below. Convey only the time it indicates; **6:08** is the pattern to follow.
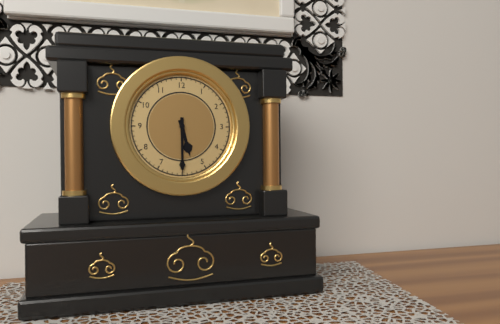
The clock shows **5:30**
